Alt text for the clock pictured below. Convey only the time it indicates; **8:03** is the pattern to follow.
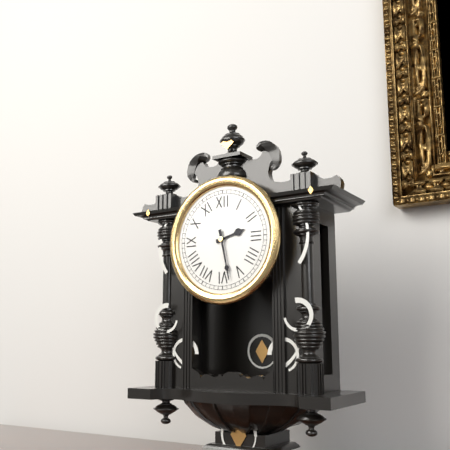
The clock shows **2:28**
